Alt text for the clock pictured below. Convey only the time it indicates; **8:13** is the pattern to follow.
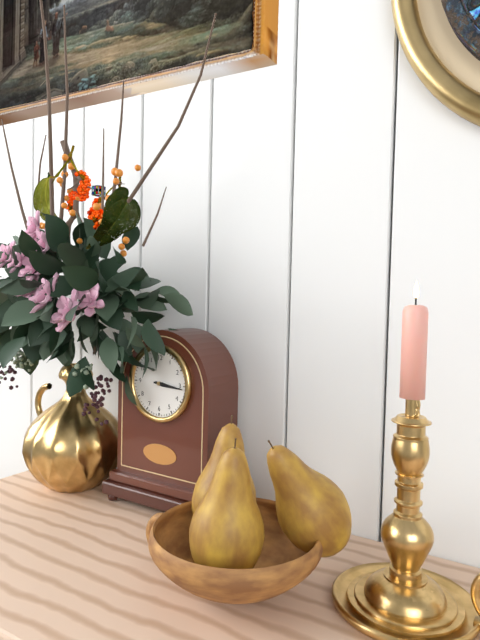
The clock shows **3:16**
